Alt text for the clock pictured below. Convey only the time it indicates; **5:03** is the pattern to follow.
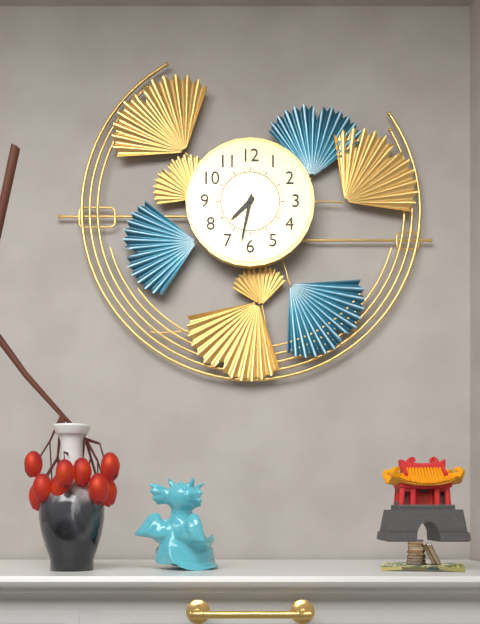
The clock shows **7:32**
